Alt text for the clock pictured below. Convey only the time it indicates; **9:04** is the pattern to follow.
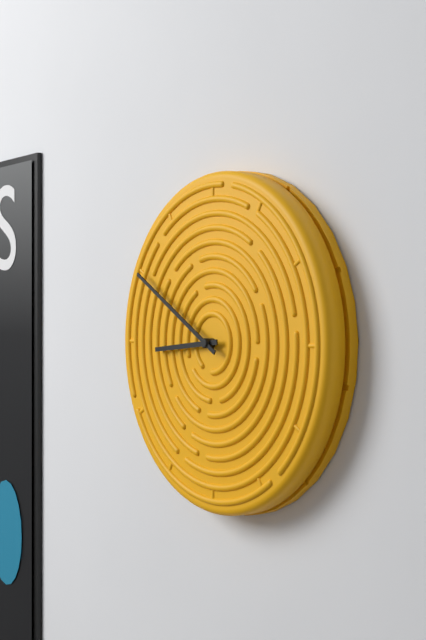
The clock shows **8:50**
